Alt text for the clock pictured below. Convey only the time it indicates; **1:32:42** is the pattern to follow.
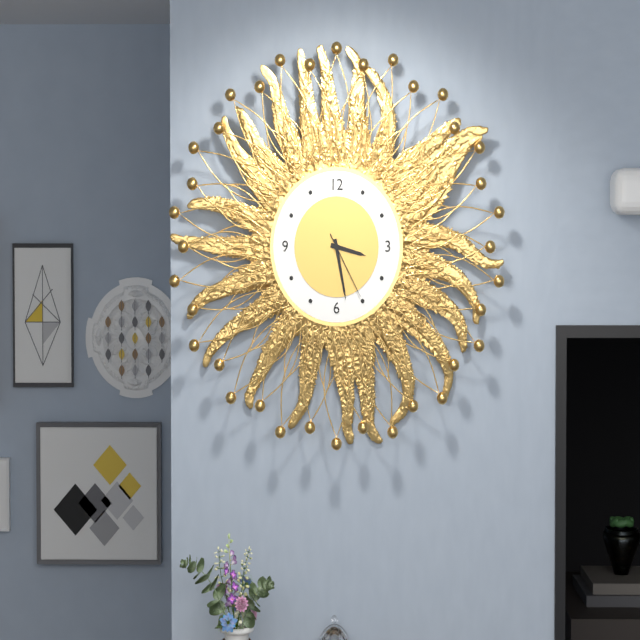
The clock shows **3:28:25**
